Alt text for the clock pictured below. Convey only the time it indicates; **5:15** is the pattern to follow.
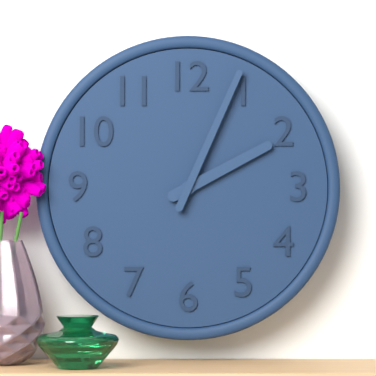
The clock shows **2:04**
